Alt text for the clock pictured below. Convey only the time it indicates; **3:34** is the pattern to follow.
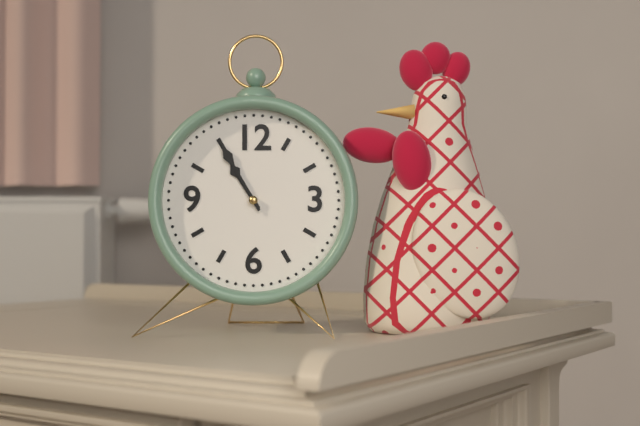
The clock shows **10:55**
